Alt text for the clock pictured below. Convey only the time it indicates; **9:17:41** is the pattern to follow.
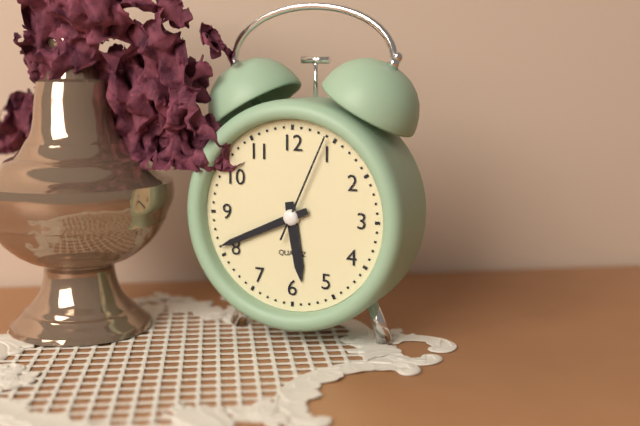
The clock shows **5:41:04**
